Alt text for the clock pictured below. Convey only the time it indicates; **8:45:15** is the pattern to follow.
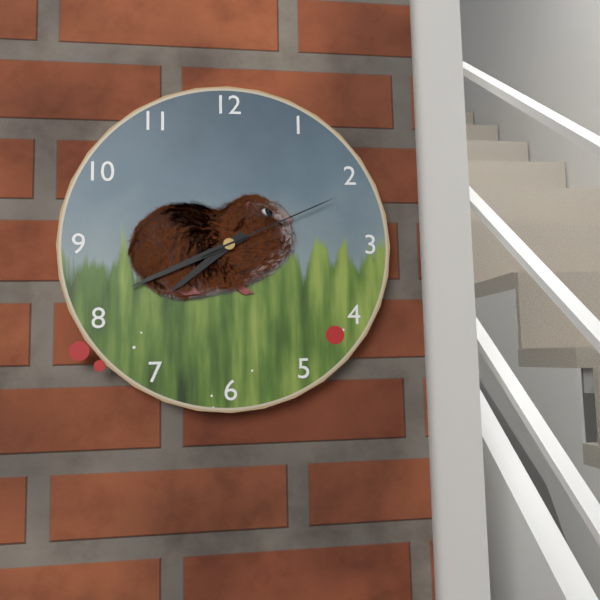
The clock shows **7:41:11**
